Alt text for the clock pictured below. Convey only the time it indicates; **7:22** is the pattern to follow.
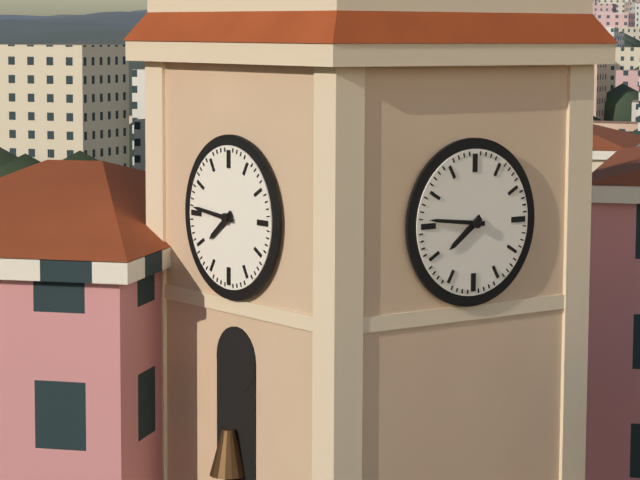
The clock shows **7:46**
